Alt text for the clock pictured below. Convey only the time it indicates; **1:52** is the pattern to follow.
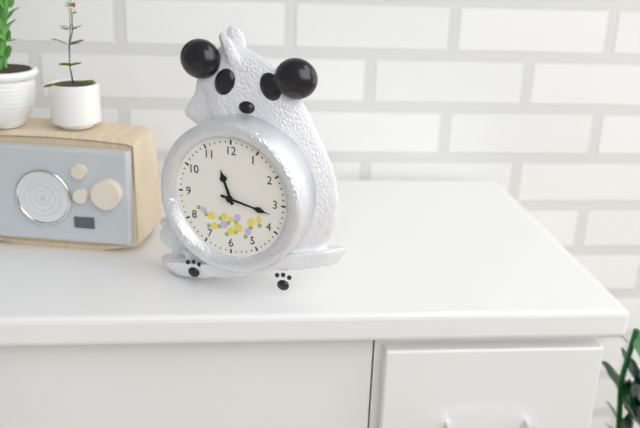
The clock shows **11:17**
